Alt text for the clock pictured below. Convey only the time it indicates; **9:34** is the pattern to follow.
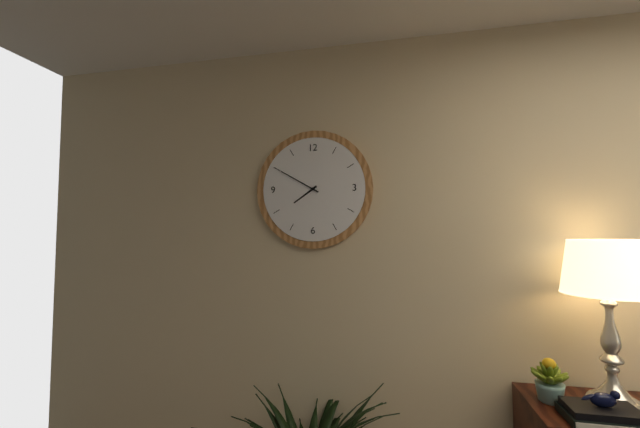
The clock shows **7:50**
